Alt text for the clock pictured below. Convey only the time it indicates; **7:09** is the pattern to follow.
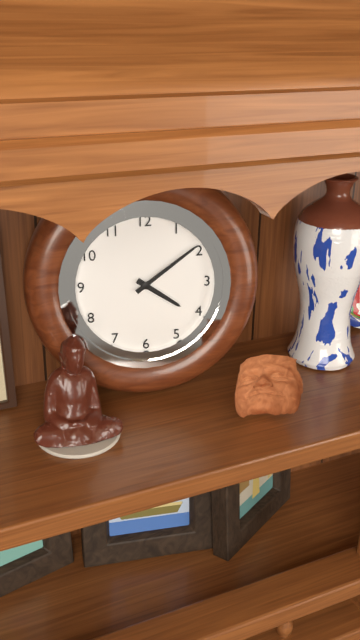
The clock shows **4:09**
